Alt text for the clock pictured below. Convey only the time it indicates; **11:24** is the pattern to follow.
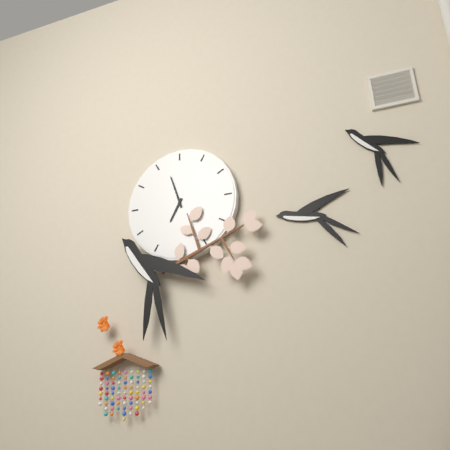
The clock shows **6:57**
